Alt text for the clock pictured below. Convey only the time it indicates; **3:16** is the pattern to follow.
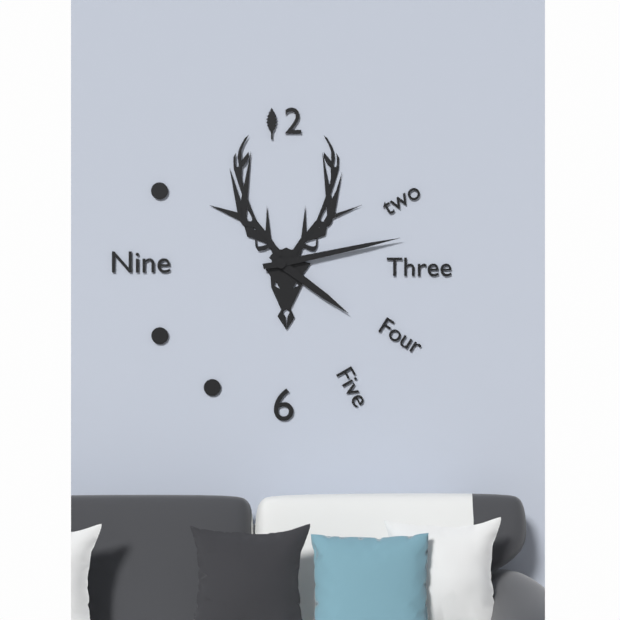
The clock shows **4:13**
